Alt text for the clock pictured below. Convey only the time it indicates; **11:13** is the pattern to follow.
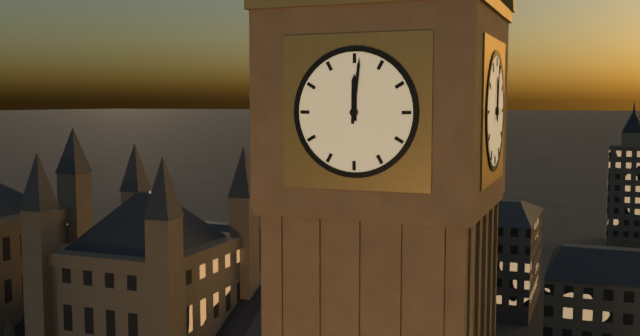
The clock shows **12:01**
